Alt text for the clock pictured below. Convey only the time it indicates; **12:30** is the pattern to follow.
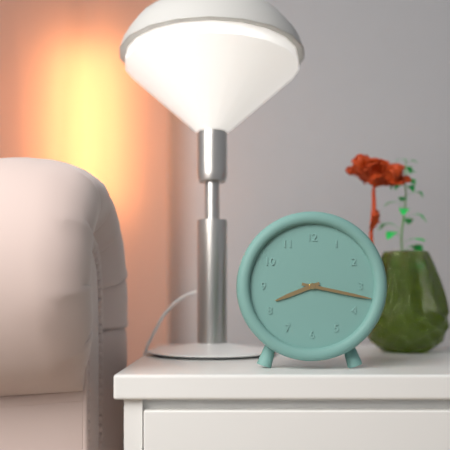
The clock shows **8:17**
